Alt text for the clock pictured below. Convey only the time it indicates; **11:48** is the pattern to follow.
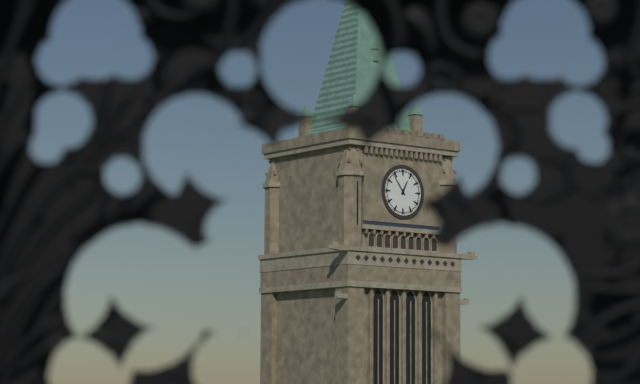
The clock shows **12:54**
